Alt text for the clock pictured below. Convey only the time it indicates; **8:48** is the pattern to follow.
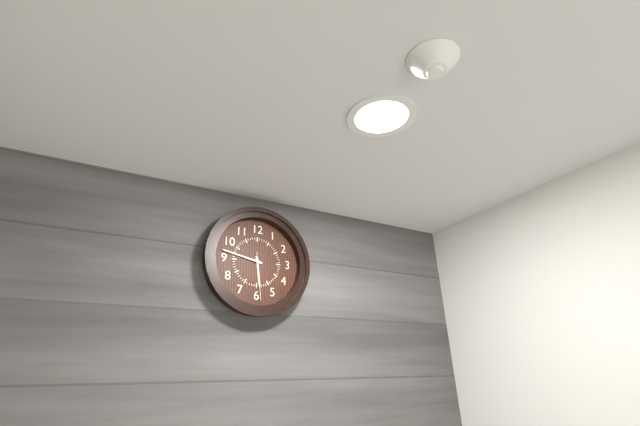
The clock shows **5:47**
